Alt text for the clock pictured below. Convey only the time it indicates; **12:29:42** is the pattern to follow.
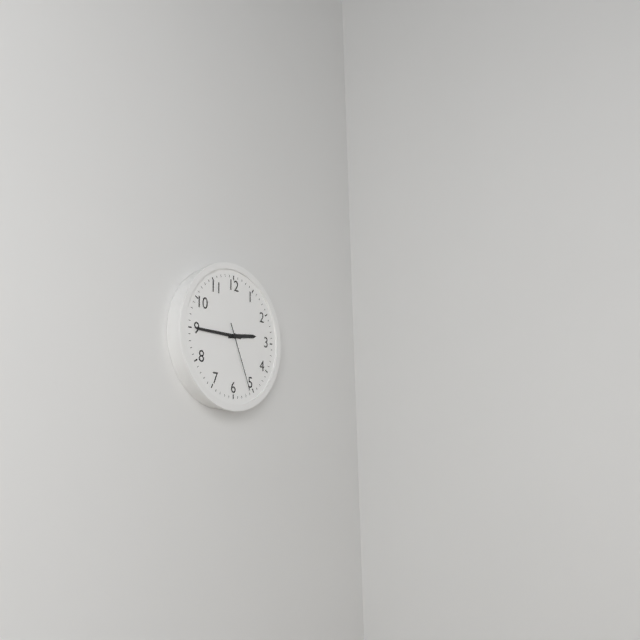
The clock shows **2:45:26**
